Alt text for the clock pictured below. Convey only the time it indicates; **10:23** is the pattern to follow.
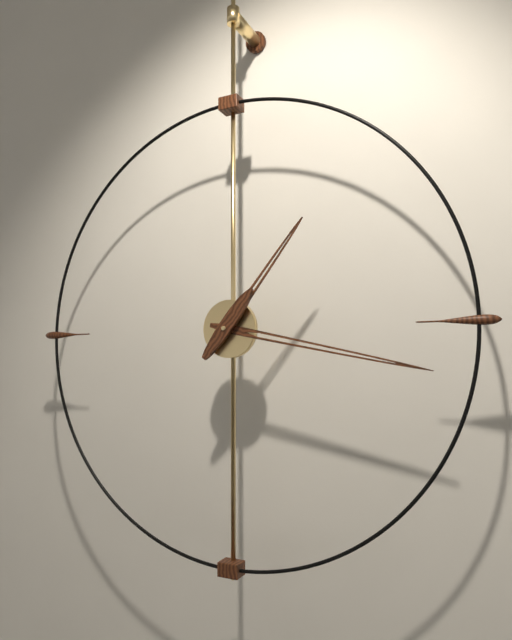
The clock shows **1:17**
